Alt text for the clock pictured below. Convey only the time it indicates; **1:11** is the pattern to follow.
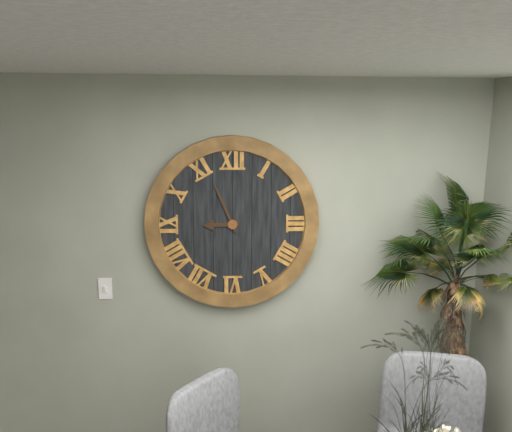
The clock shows **8:56**
